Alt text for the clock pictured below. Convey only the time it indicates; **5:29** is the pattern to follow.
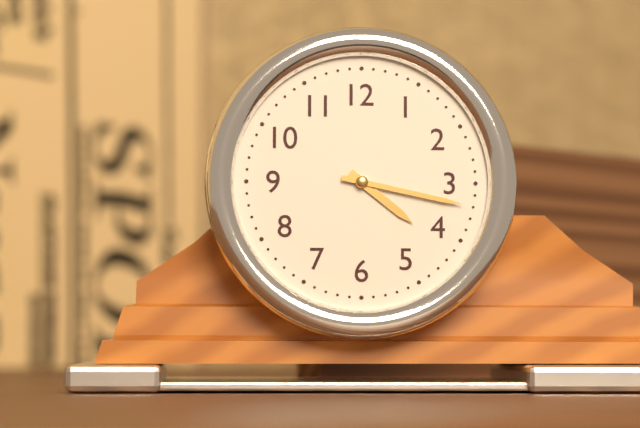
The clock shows **4:17**
